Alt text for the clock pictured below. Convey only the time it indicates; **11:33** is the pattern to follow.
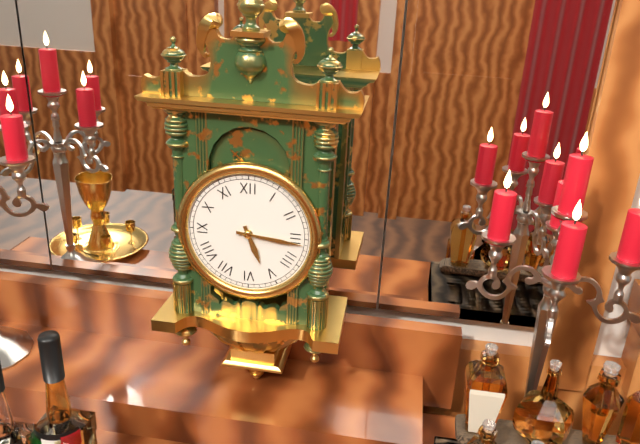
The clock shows **5:16**
